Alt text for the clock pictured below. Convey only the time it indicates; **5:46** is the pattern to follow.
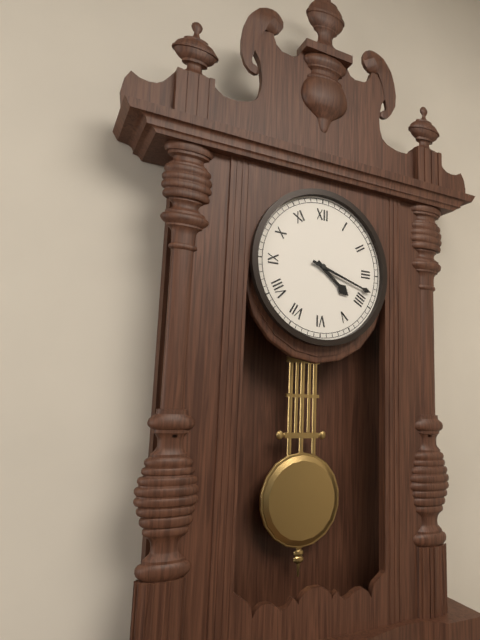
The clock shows **4:18**
